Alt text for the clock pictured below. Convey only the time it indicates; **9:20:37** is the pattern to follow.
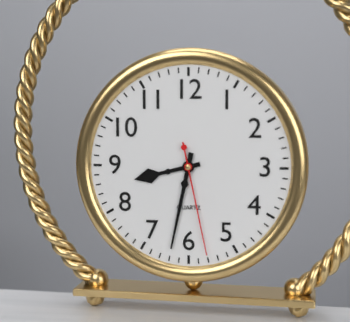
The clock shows **8:32:28**
